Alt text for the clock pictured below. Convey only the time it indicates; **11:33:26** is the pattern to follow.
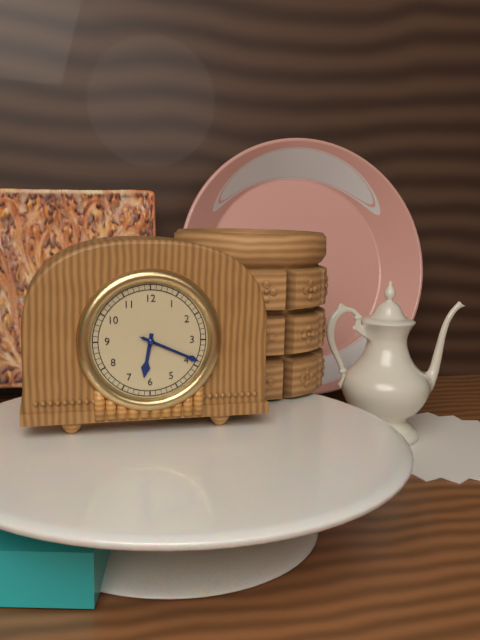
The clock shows **6:19:19**
